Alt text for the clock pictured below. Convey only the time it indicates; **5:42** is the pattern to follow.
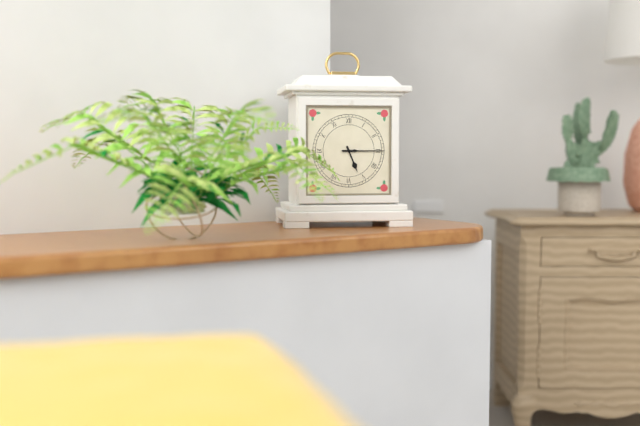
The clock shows **5:15**
